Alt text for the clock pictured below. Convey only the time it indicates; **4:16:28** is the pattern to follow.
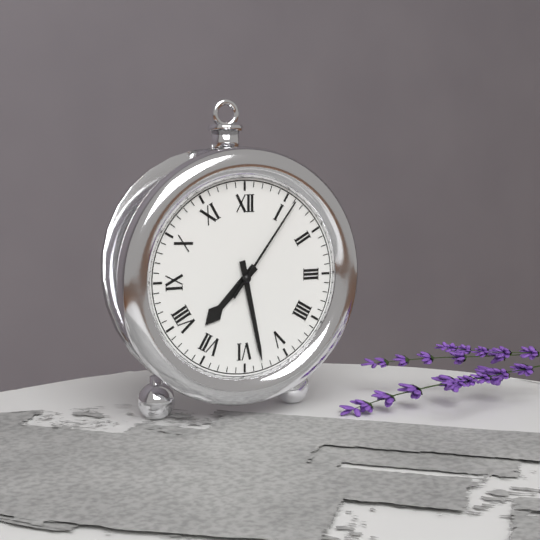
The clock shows **7:28:06**
